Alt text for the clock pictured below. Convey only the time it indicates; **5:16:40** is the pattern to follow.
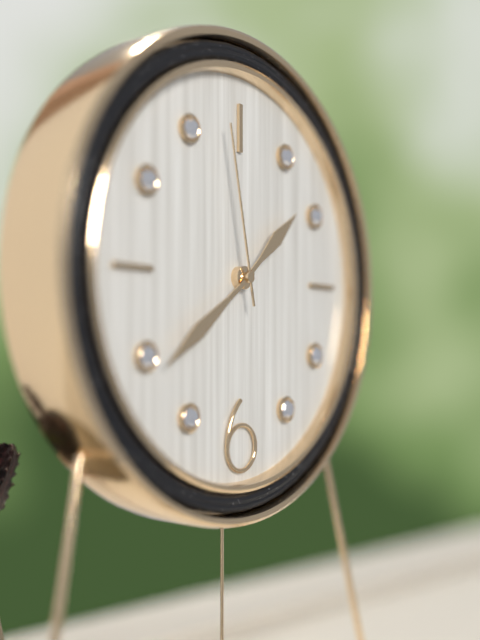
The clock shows **1:39:58**
